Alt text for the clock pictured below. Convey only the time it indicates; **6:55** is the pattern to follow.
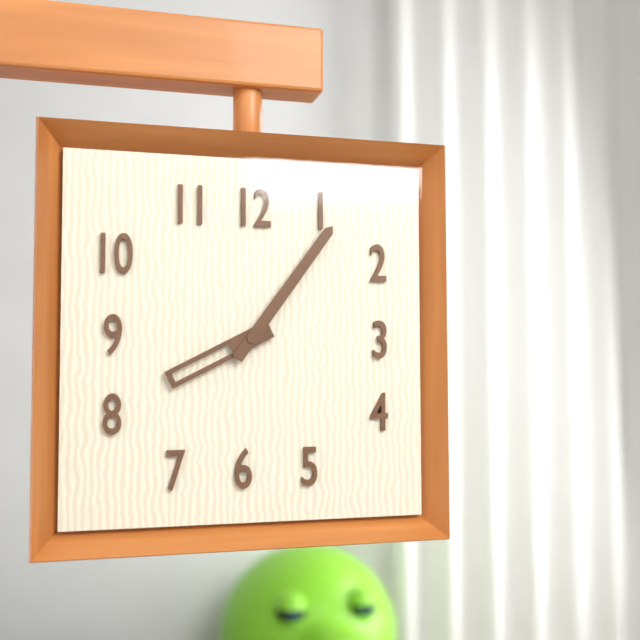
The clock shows **8:06**
